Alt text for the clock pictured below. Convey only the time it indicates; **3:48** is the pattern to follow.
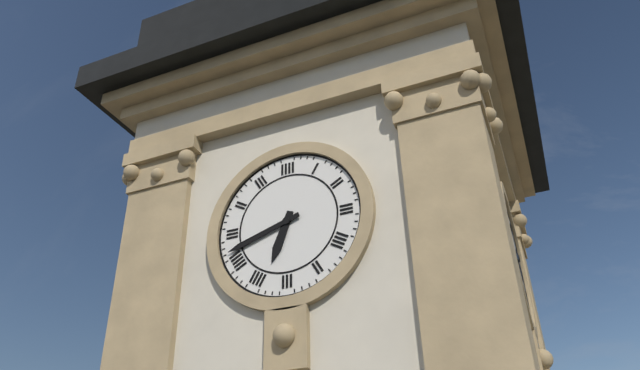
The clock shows **6:42**
